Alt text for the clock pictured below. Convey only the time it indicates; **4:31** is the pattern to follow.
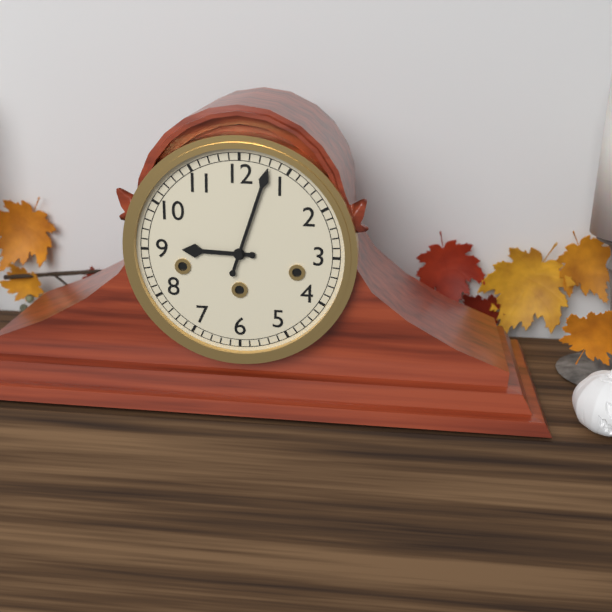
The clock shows **9:03**
